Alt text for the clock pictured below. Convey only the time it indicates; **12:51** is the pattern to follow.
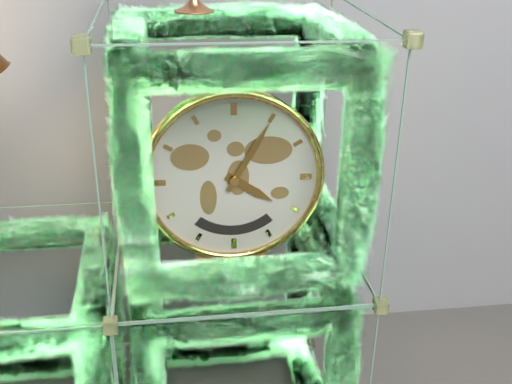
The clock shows **4:05**
